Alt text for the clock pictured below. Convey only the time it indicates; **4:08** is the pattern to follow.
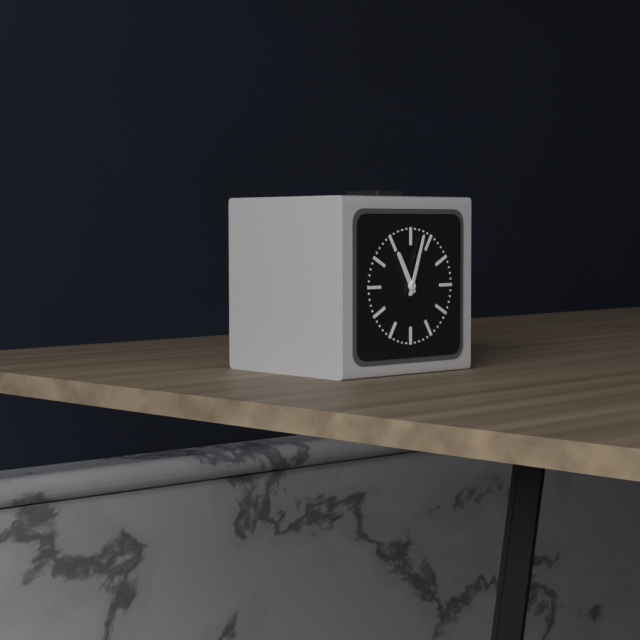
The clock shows **11:03**
